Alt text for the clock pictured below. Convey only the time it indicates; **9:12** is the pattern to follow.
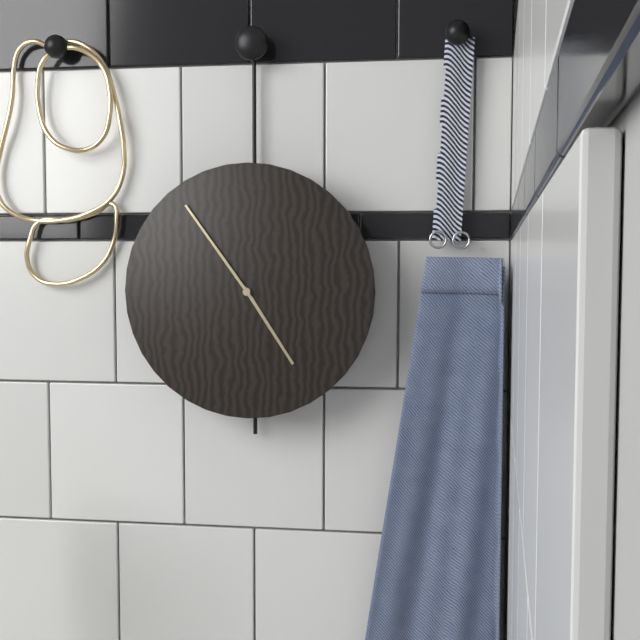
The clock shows **4:54**
